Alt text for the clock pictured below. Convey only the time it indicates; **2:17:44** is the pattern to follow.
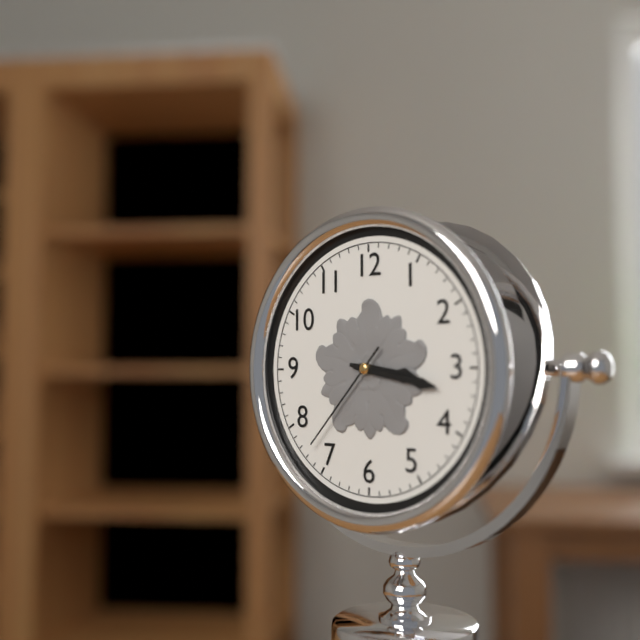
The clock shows **3:17:37**
